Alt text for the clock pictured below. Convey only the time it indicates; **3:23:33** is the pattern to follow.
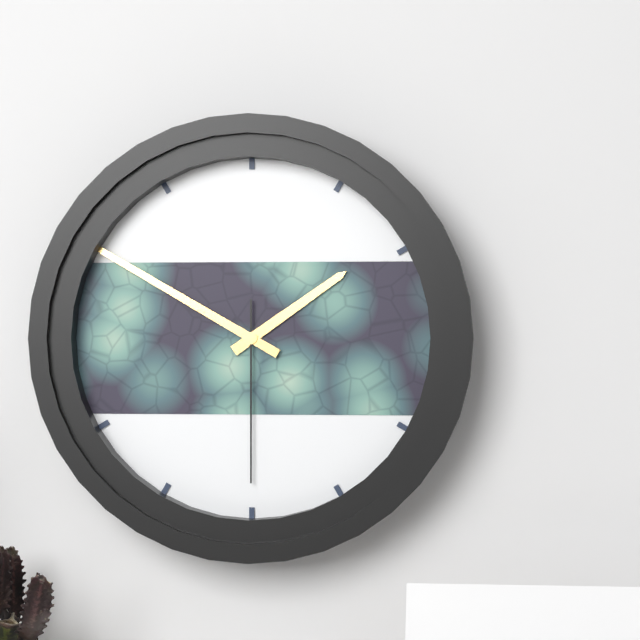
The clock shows **1:50:30**
